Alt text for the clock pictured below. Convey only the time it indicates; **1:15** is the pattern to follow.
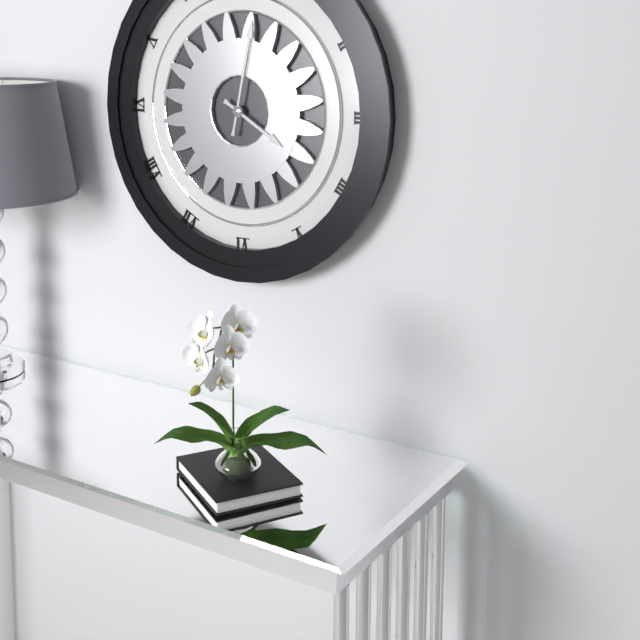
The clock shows **4:02**
